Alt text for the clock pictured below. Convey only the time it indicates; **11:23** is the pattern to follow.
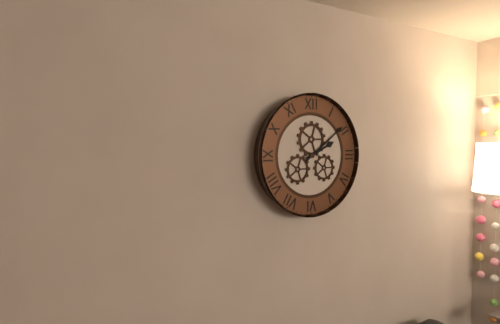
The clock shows **2:09**
